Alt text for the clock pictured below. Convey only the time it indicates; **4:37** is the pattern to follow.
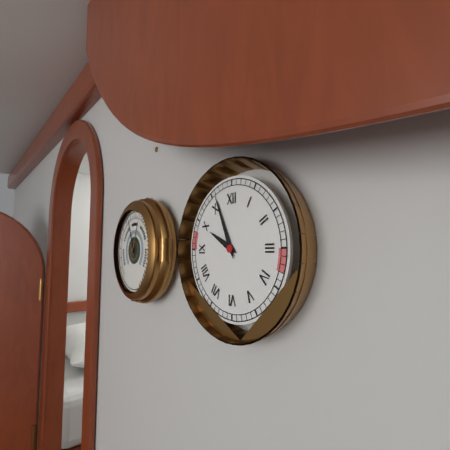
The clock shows **9:56**
